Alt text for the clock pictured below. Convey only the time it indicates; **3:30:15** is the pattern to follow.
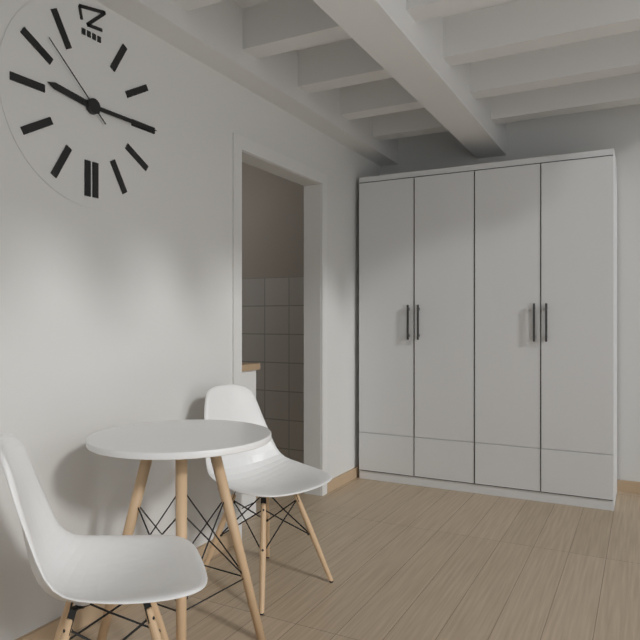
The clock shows **9:15:52**
